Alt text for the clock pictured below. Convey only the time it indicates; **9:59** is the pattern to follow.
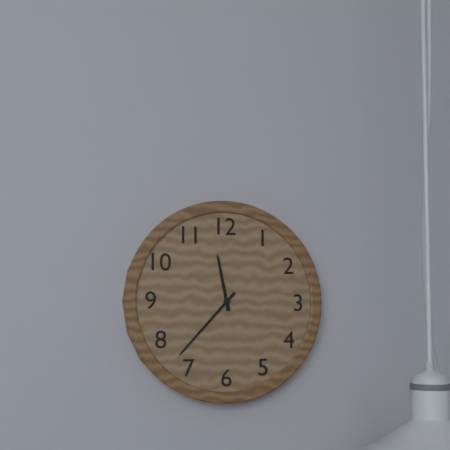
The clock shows **11:37**
